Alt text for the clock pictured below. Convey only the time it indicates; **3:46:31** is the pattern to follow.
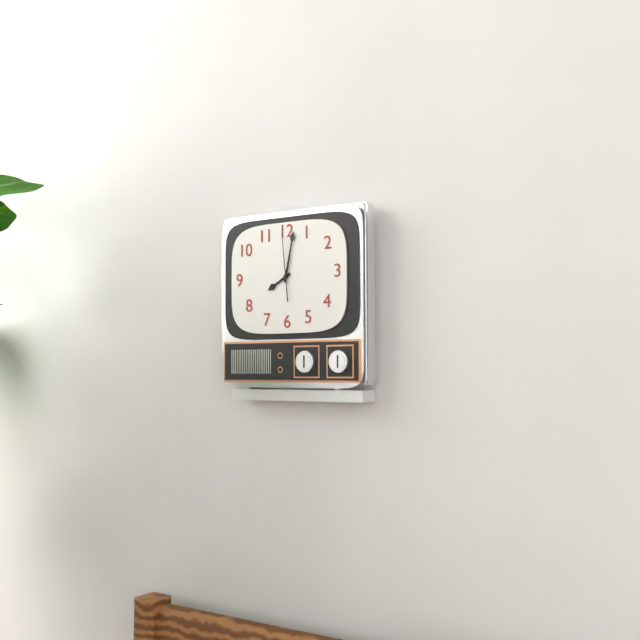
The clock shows **8:02:59**
